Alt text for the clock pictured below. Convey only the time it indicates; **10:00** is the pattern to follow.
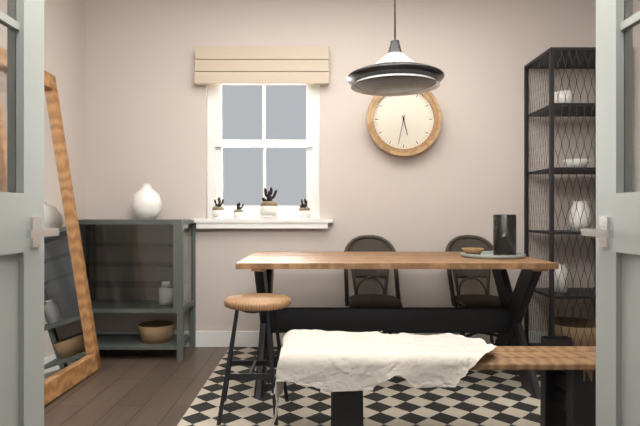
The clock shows **5:32**
